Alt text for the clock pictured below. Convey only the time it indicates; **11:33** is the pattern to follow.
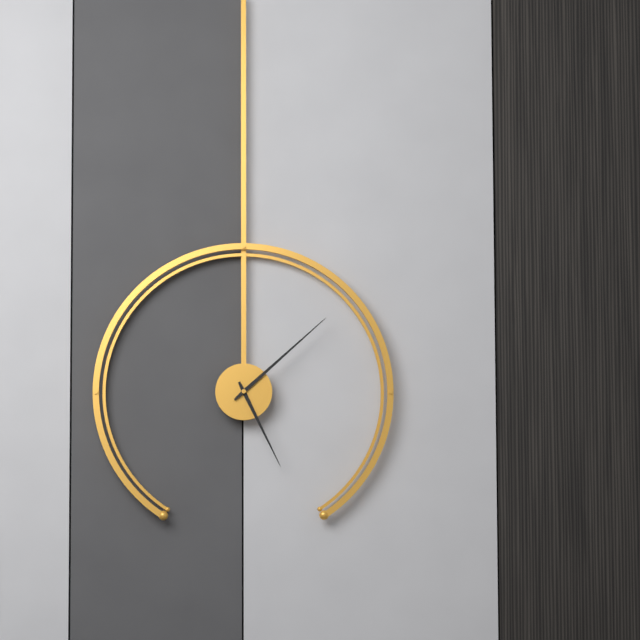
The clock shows **5:08**
